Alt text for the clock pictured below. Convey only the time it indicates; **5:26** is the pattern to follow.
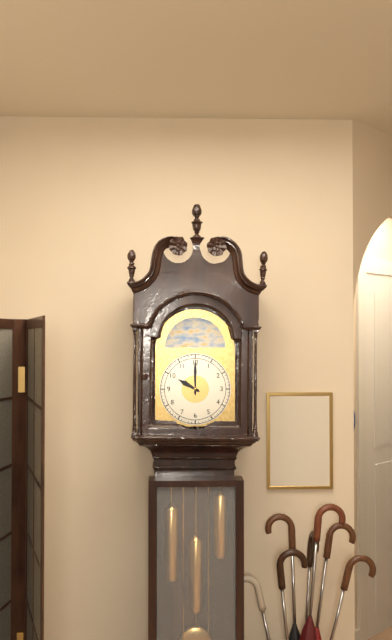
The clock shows **10:00**
